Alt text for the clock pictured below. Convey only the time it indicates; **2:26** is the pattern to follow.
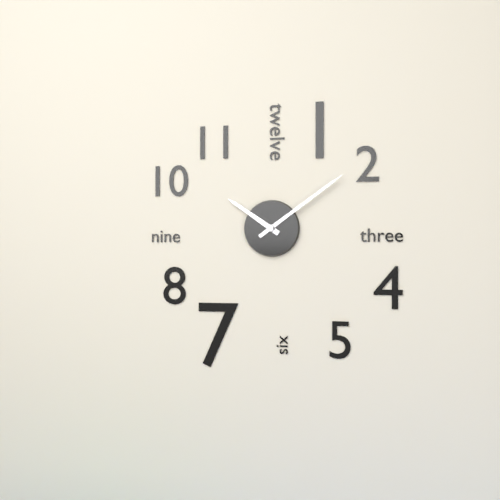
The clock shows **10:09**
